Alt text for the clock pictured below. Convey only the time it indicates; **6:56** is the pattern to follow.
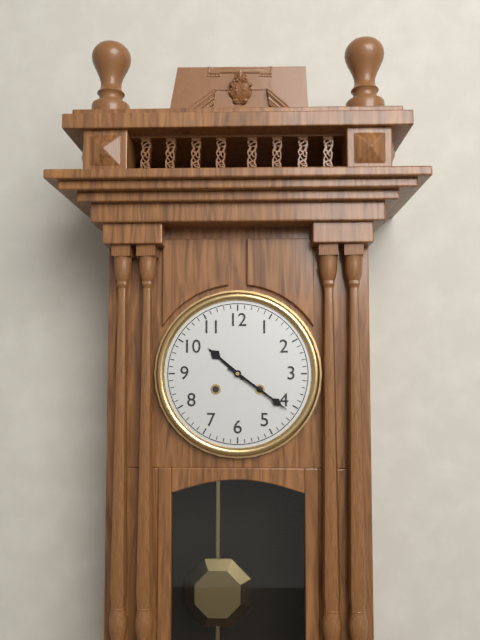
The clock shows **10:21**
